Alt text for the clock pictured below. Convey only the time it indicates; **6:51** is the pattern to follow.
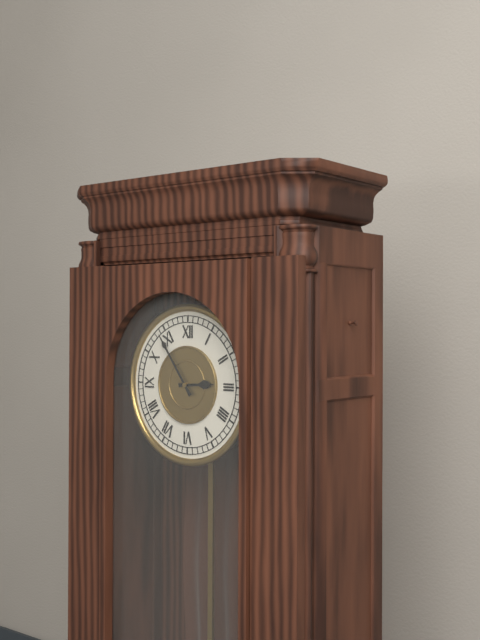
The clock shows **2:54**
